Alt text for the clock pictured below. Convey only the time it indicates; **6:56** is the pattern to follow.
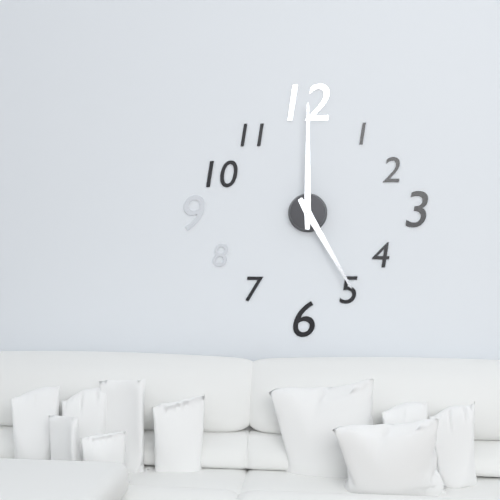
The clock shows **5:00**
